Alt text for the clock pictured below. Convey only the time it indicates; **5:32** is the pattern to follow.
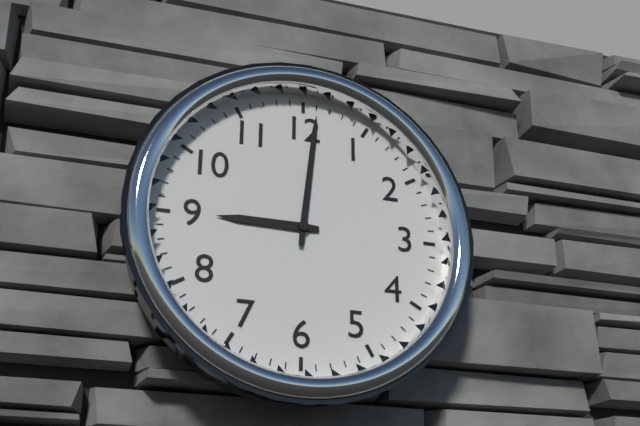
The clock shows **9:01**
